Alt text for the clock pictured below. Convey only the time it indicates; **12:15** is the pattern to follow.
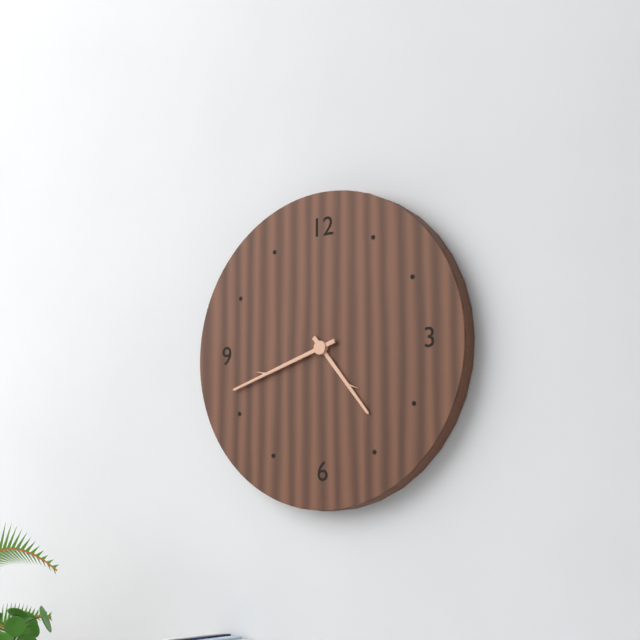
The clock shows **4:42**
